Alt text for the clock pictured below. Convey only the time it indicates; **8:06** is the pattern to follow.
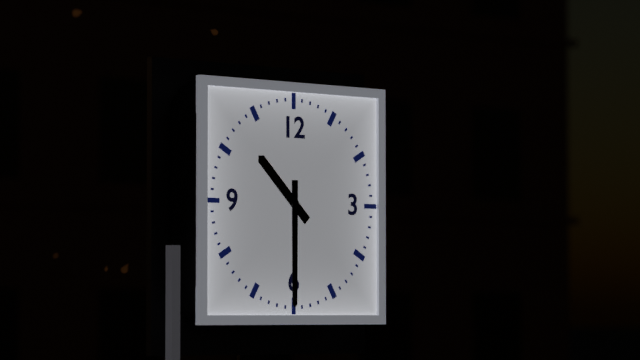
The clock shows **10:30**
